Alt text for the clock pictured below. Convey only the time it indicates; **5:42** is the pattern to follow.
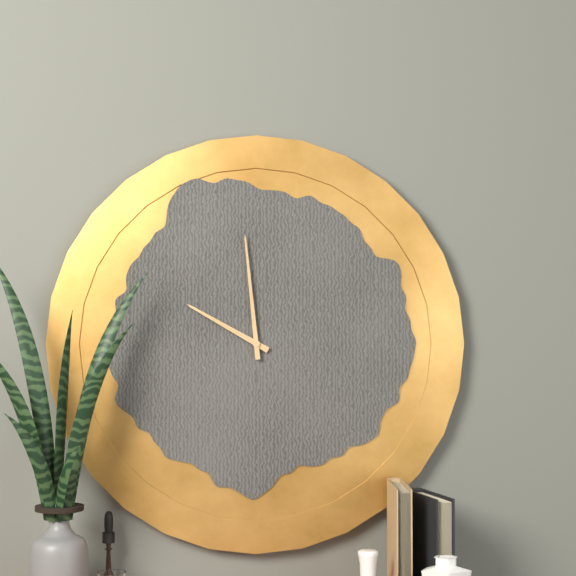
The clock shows **9:59**
